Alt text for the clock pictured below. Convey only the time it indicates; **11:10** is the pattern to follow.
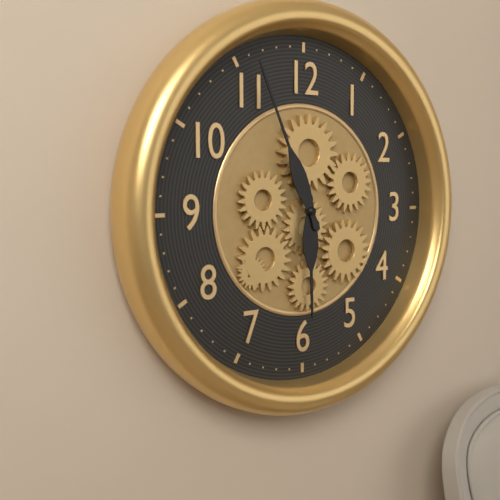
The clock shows **5:56**
